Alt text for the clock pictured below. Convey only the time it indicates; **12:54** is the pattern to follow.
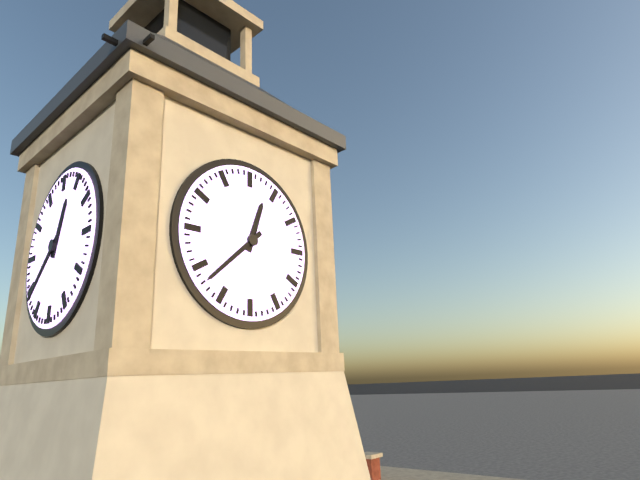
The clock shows **12:38**
